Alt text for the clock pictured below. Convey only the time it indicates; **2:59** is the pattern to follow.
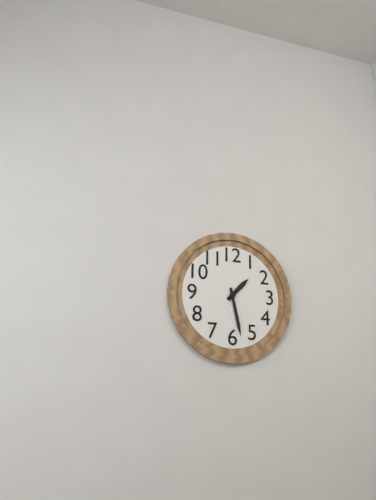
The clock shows **1:28**
